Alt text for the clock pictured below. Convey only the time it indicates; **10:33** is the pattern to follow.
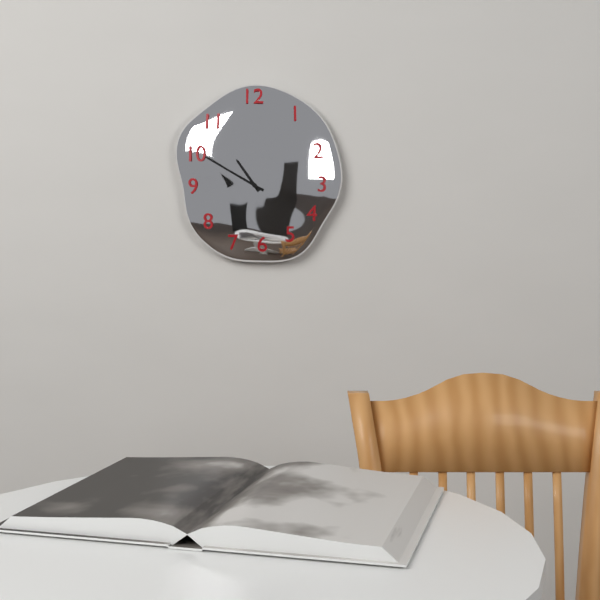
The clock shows **10:50**
